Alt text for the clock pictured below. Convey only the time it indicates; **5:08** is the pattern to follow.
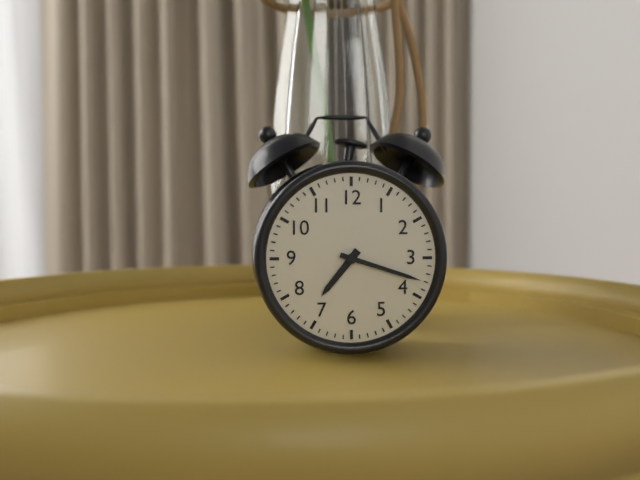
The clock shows **7:18**
